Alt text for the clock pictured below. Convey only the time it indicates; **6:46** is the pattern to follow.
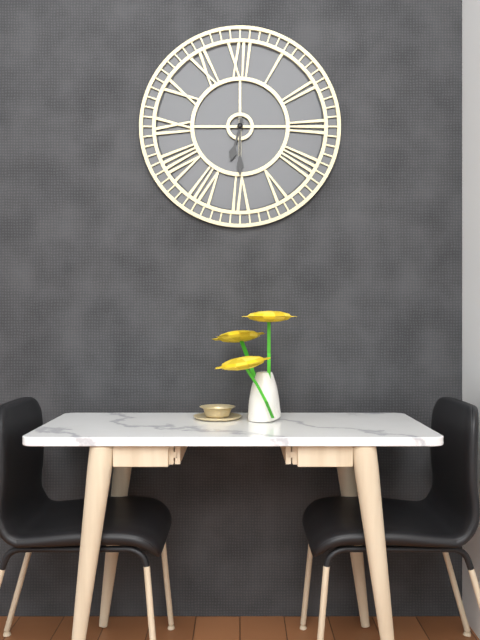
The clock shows **6:30**
